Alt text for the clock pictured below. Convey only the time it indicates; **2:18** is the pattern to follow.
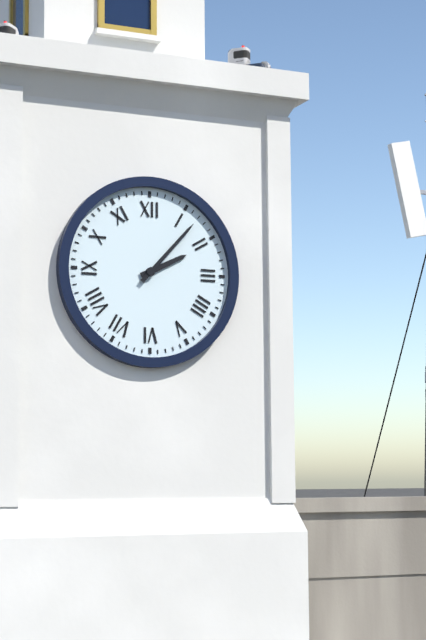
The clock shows **2:07**
